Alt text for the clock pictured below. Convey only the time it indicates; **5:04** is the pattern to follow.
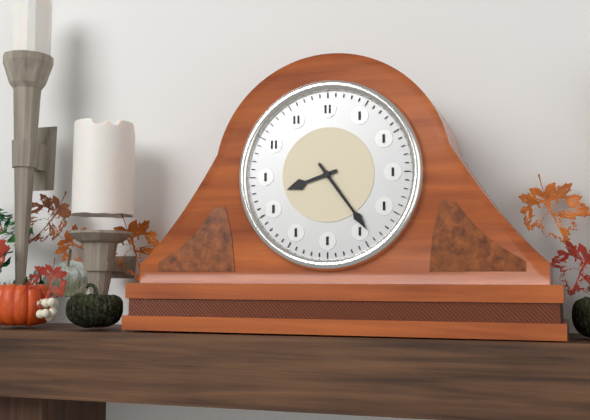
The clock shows **8:24**
